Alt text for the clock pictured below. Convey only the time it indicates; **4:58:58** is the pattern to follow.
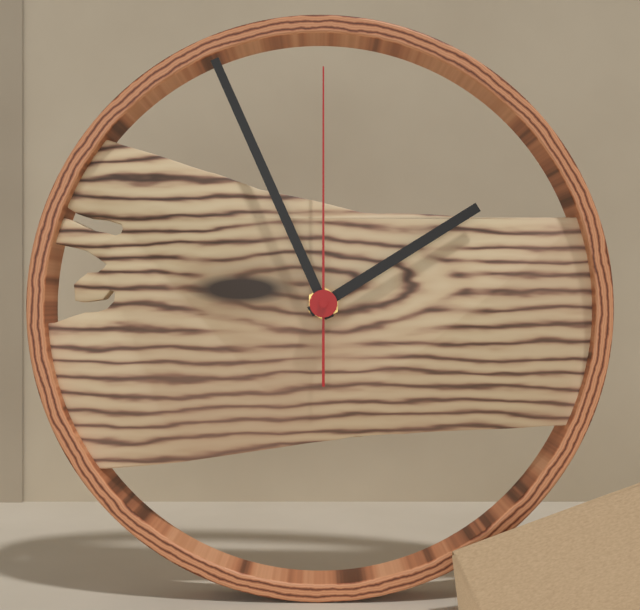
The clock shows **1:56:00**
